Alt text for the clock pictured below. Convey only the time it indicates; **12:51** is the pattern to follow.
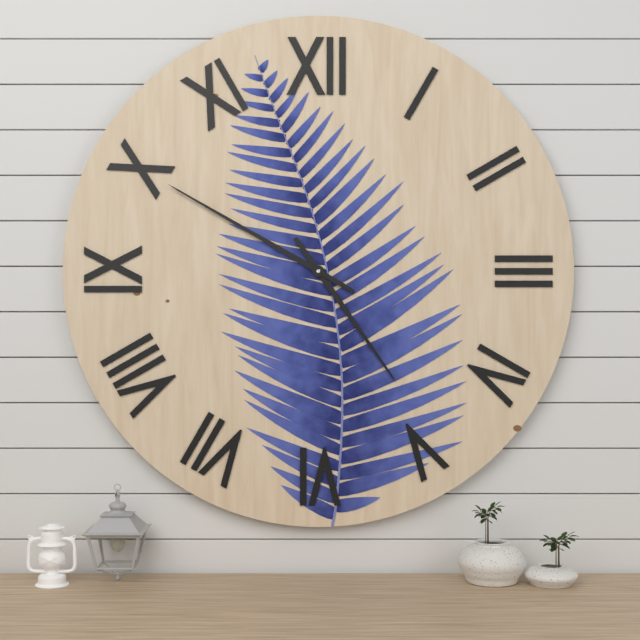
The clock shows **4:50**
